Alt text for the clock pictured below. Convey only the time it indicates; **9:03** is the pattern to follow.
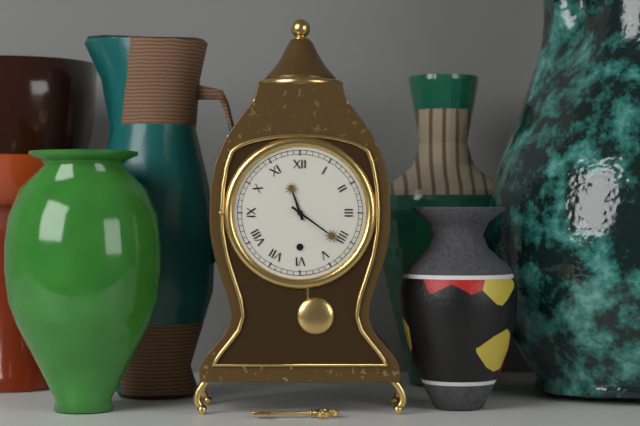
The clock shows **11:21**
